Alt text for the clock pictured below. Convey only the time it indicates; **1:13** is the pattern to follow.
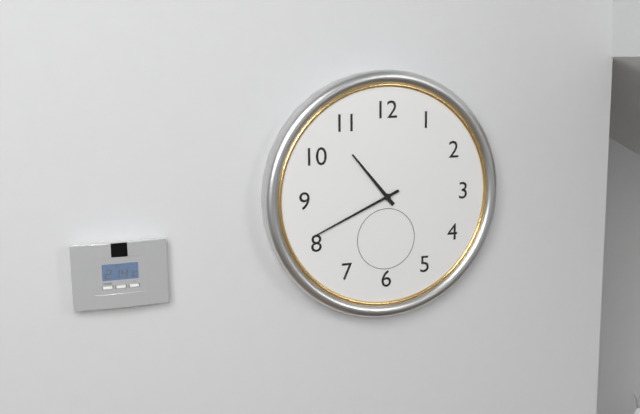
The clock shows **10:41**
